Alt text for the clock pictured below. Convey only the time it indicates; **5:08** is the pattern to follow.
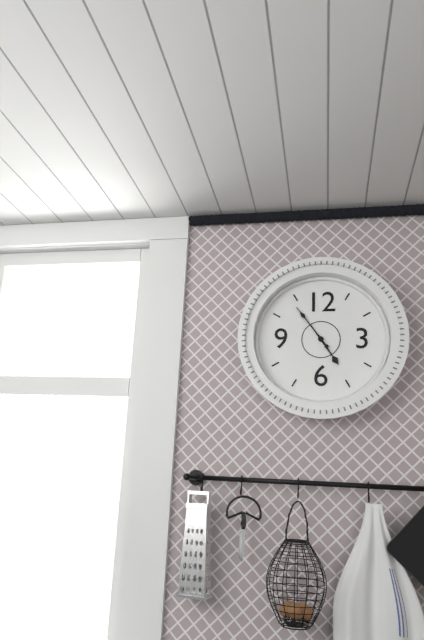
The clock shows **4:54**
